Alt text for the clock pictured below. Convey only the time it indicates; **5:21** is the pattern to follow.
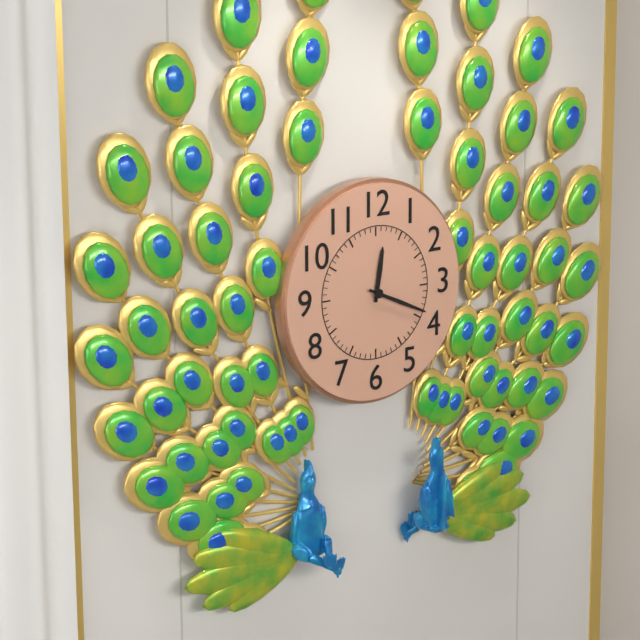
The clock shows **12:19**
